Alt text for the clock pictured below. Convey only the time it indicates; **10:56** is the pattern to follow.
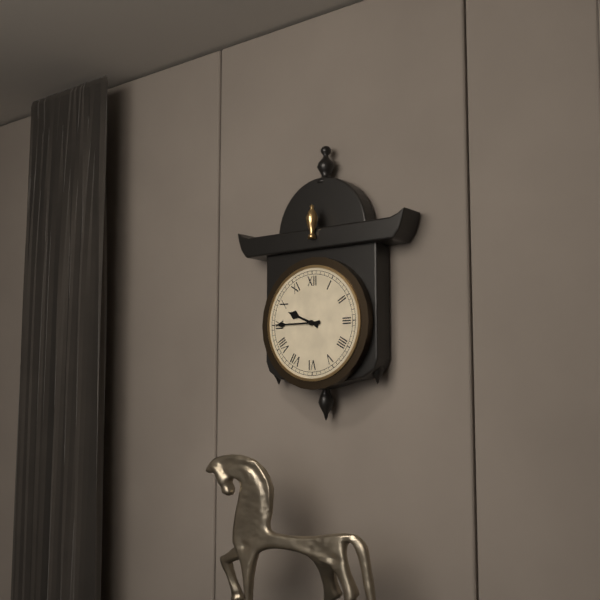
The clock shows **9:45**
